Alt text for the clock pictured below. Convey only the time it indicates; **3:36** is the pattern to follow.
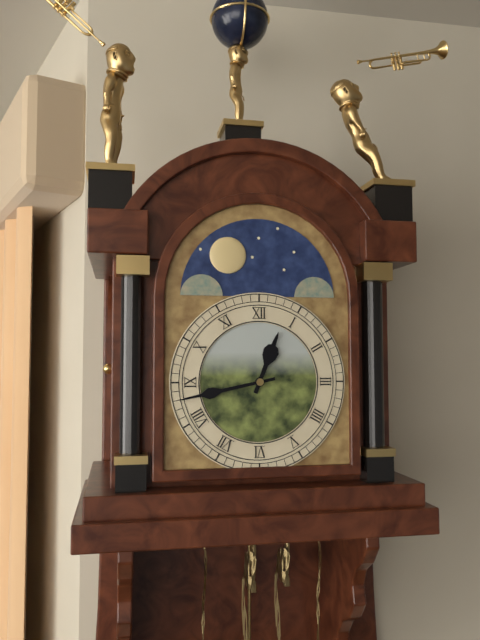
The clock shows **12:43**
